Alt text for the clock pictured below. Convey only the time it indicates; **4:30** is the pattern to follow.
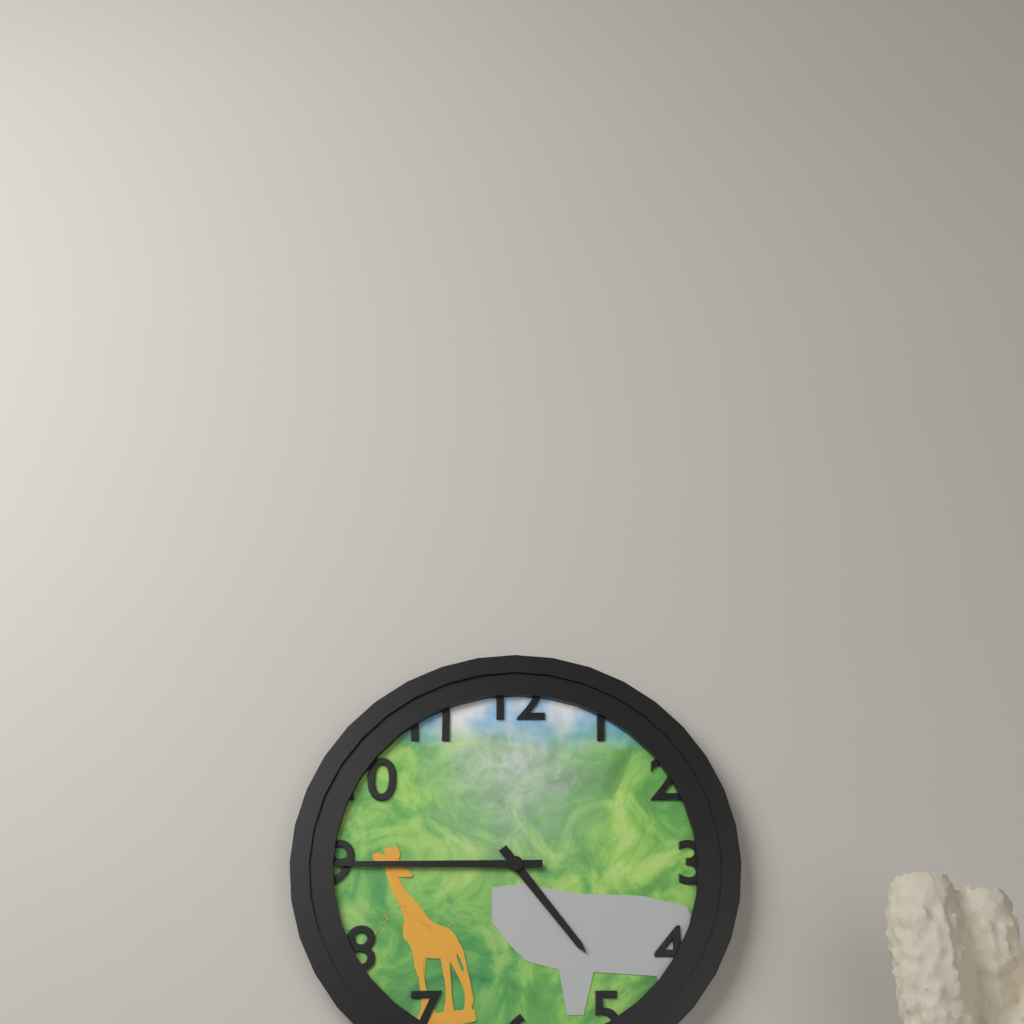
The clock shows **4:45**
